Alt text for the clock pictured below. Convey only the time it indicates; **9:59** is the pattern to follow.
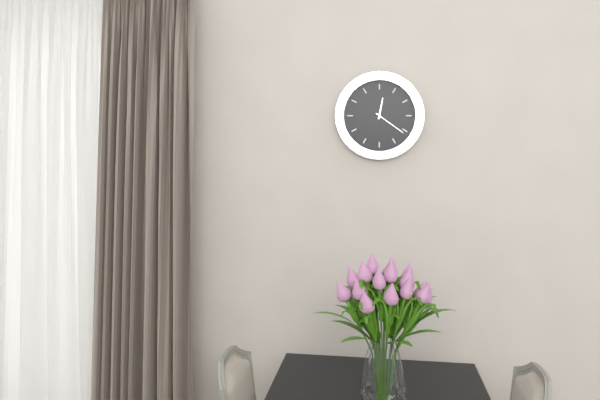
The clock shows **12:21**
